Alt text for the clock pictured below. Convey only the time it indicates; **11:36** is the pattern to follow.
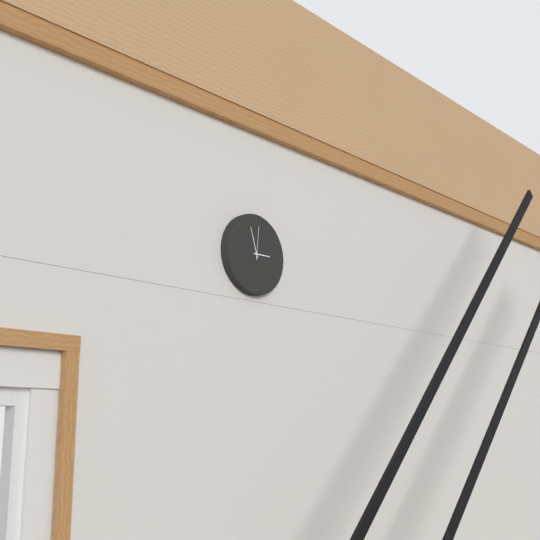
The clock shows **2:57**
